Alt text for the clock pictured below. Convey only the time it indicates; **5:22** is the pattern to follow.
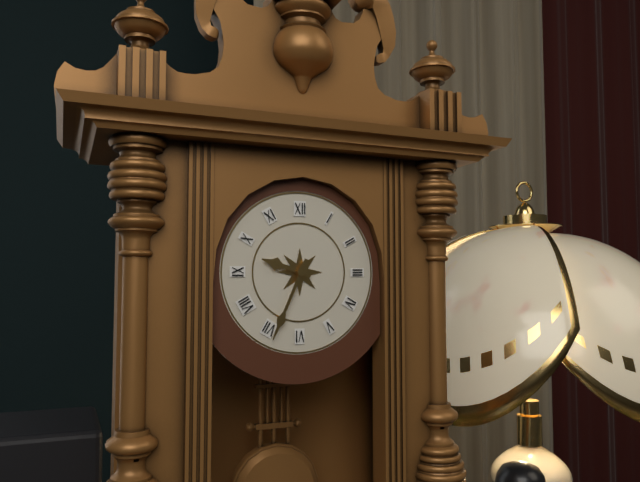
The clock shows **9:34**
